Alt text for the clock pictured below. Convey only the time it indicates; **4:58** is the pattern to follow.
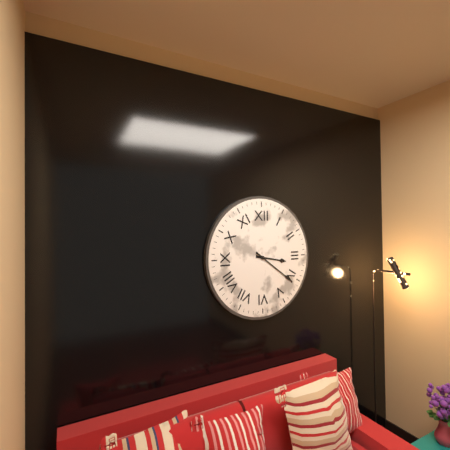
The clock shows **3:21**
